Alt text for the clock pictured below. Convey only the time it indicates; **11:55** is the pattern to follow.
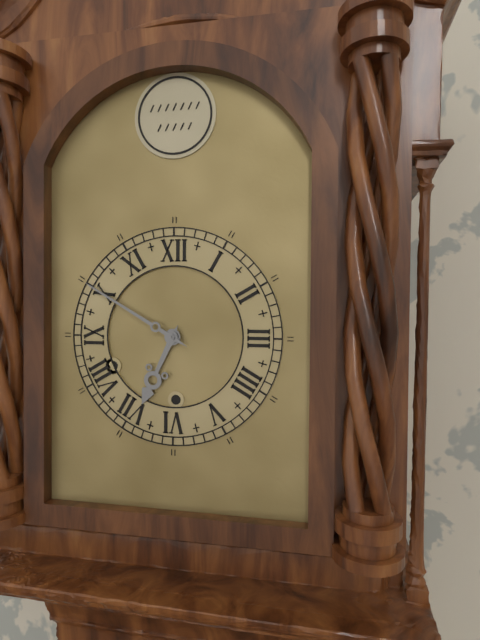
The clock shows **6:50**
